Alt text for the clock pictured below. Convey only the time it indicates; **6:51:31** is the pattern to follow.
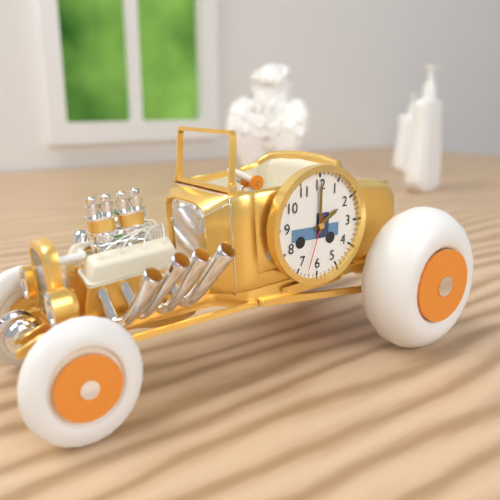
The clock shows **2:00:33**
